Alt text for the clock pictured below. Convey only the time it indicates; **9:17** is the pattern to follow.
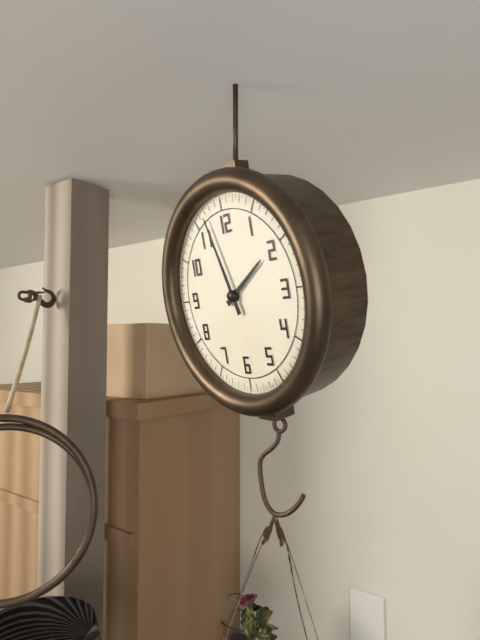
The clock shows **1:57**
